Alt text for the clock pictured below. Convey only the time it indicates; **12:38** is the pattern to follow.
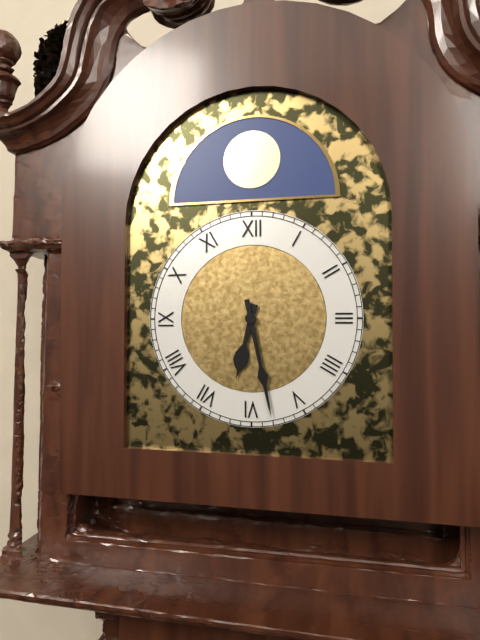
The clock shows **6:28**
